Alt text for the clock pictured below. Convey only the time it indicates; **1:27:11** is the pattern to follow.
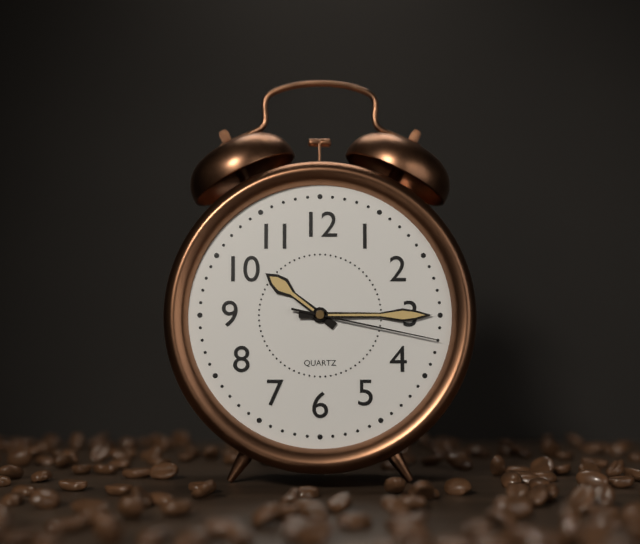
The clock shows **10:15:17**
